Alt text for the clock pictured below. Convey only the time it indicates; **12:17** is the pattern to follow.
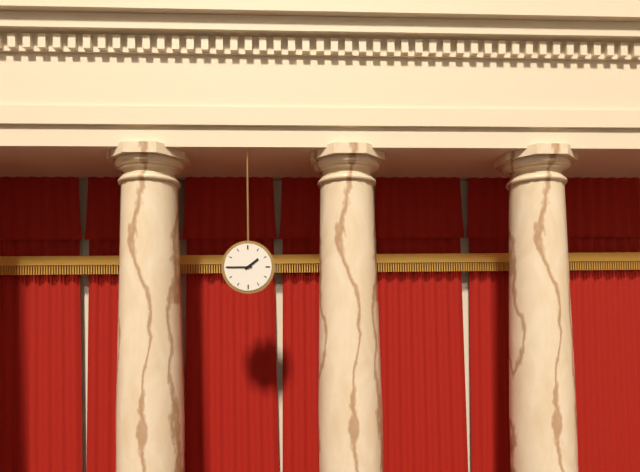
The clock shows **1:45**
